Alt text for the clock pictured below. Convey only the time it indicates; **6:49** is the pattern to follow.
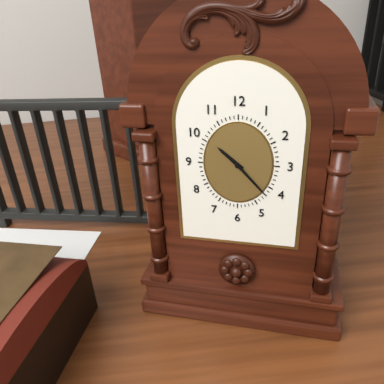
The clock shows **10:23**
